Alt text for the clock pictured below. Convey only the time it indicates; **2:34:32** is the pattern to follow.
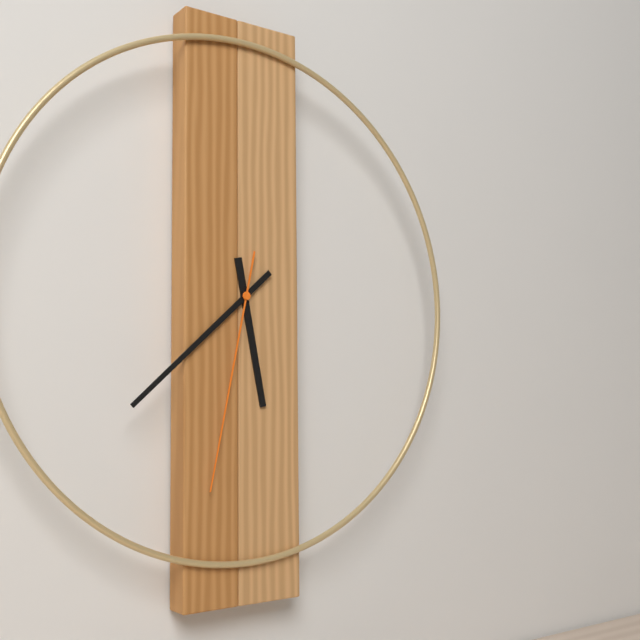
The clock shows **5:38:32**
